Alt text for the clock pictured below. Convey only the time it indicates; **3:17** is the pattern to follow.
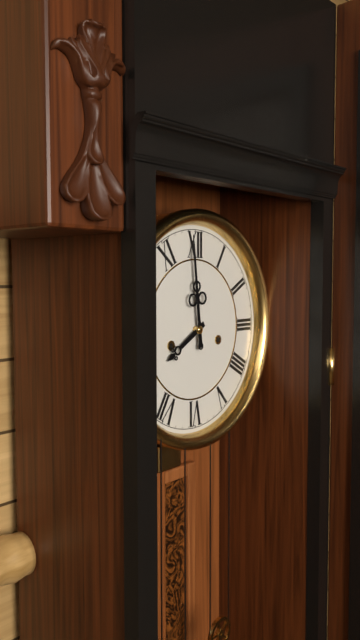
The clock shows **7:59**
